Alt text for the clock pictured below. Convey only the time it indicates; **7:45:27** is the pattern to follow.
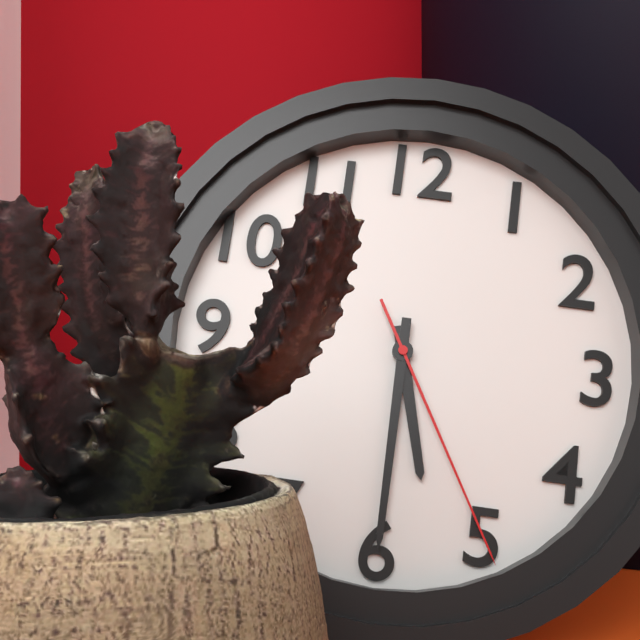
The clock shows **5:30:25**
